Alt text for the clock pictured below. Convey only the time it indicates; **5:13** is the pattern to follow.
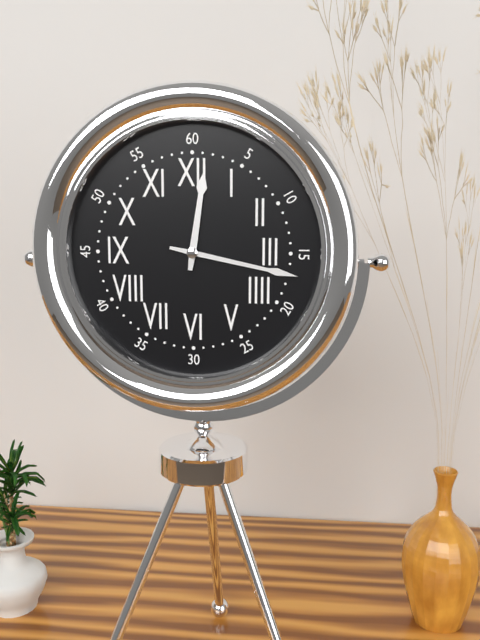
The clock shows **12:17**
